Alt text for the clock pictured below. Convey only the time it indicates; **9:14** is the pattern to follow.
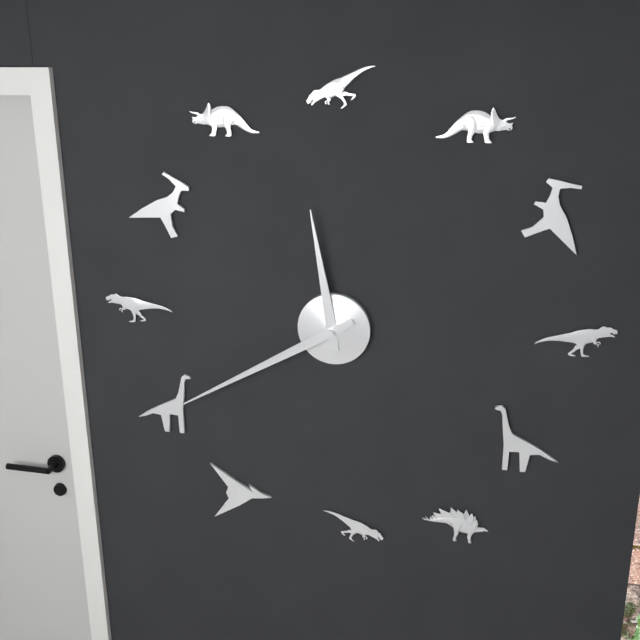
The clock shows **11:40**
